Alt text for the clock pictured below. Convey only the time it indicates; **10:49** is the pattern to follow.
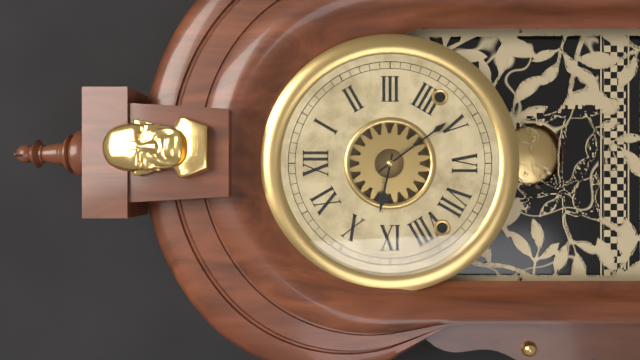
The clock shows **9:24**
